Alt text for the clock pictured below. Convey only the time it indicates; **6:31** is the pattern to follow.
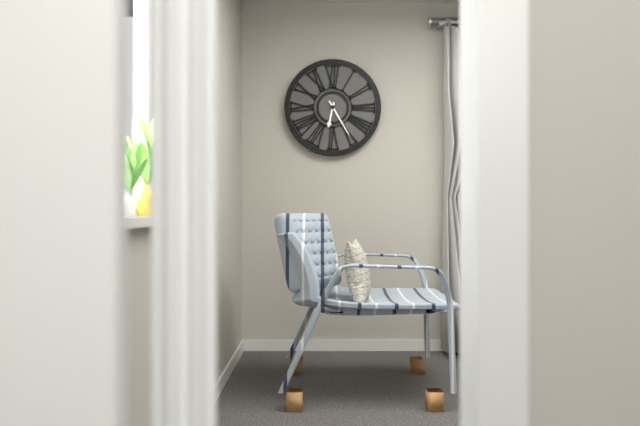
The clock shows **6:25**
